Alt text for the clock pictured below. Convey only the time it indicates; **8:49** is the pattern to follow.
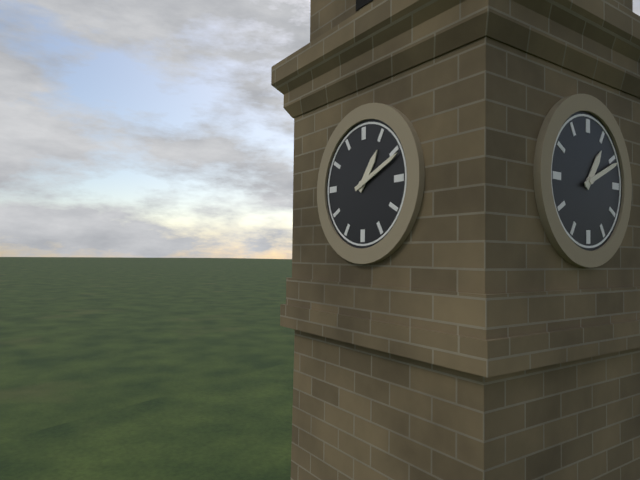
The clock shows **1:11**
